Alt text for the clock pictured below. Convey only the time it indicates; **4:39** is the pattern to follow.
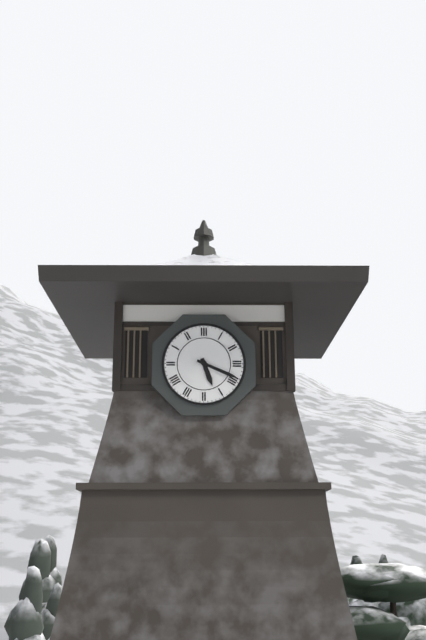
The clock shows **5:19**
